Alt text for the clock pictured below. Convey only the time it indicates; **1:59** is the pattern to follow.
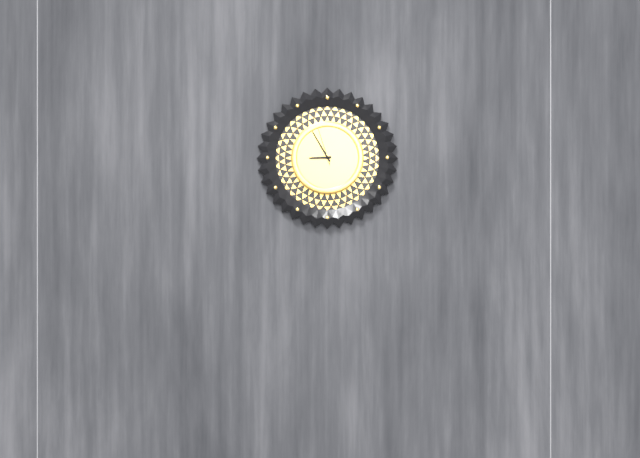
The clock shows **8:55**
